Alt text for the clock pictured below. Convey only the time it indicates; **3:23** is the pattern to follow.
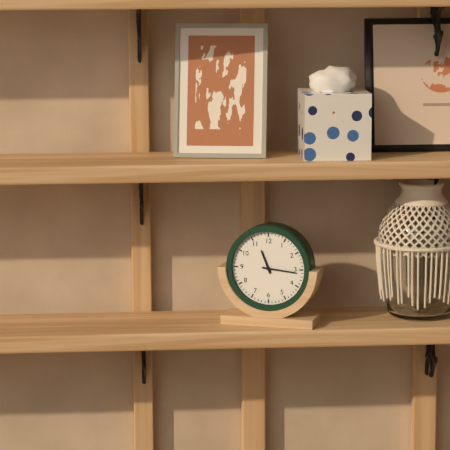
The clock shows **11:16**
